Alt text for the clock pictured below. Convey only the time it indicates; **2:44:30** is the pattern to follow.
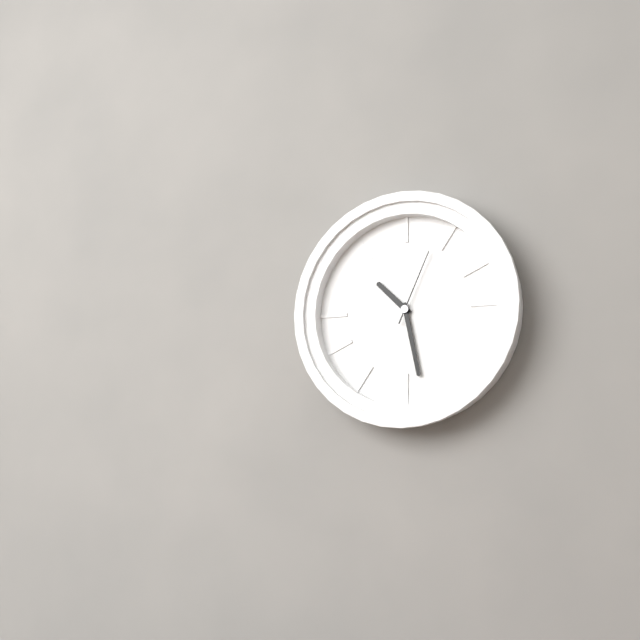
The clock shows **10:28:04**
